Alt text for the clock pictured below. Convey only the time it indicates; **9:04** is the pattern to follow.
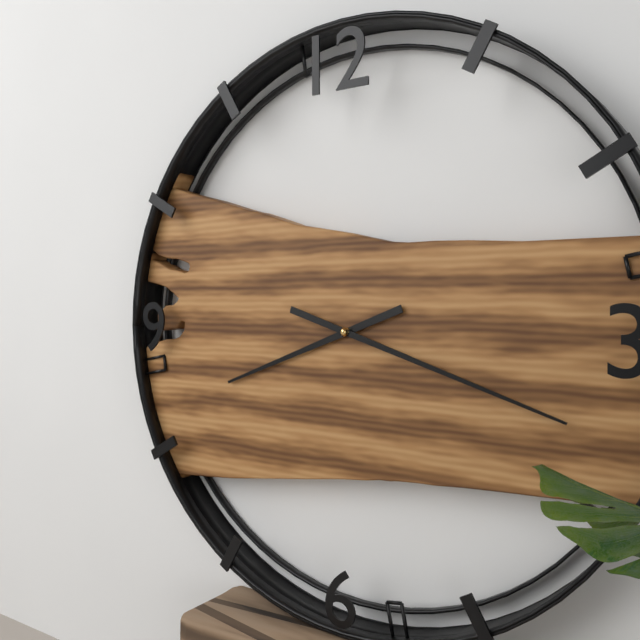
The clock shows **8:18**
